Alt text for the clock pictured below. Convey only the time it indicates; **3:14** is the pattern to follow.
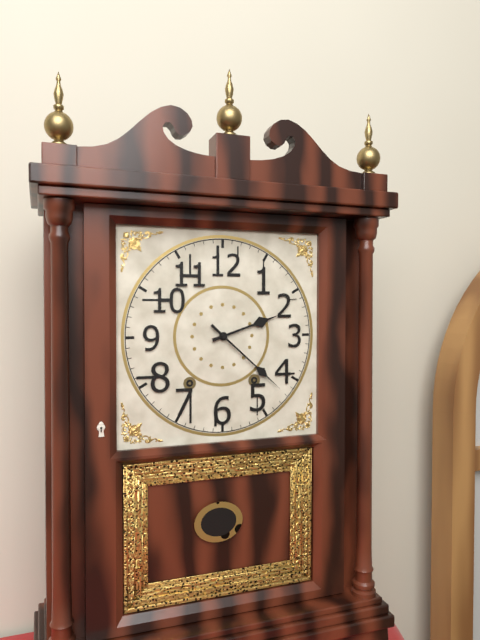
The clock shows **2:22**
